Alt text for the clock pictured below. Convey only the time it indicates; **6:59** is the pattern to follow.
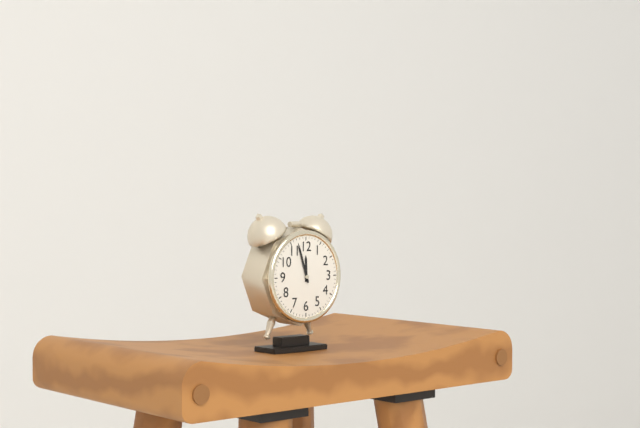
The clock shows **11:57**
